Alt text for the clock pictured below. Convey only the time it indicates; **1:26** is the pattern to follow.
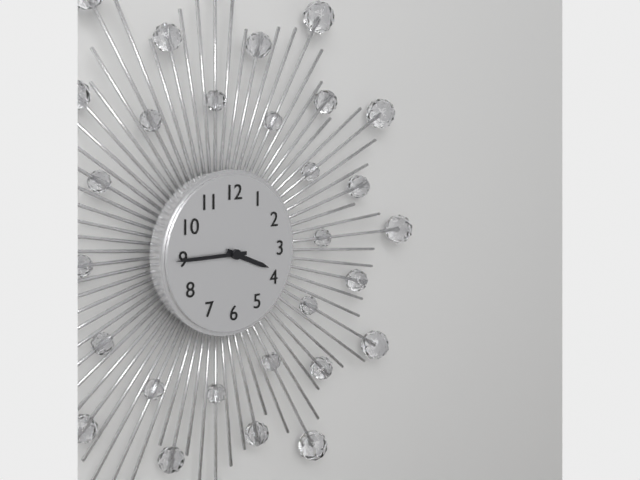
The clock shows **3:45**
